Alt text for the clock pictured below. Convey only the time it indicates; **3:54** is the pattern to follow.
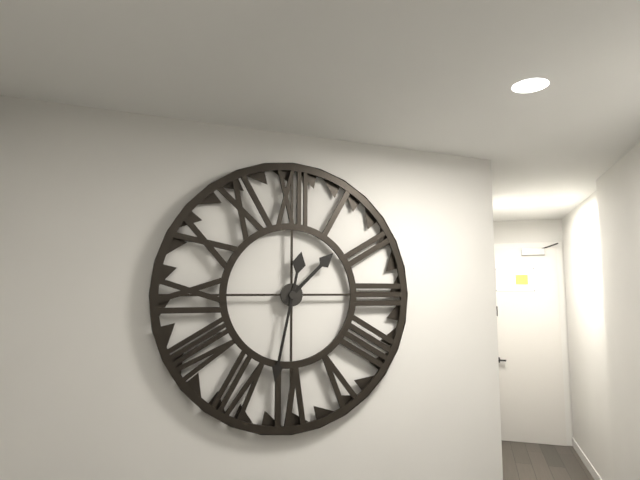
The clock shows **1:32**
